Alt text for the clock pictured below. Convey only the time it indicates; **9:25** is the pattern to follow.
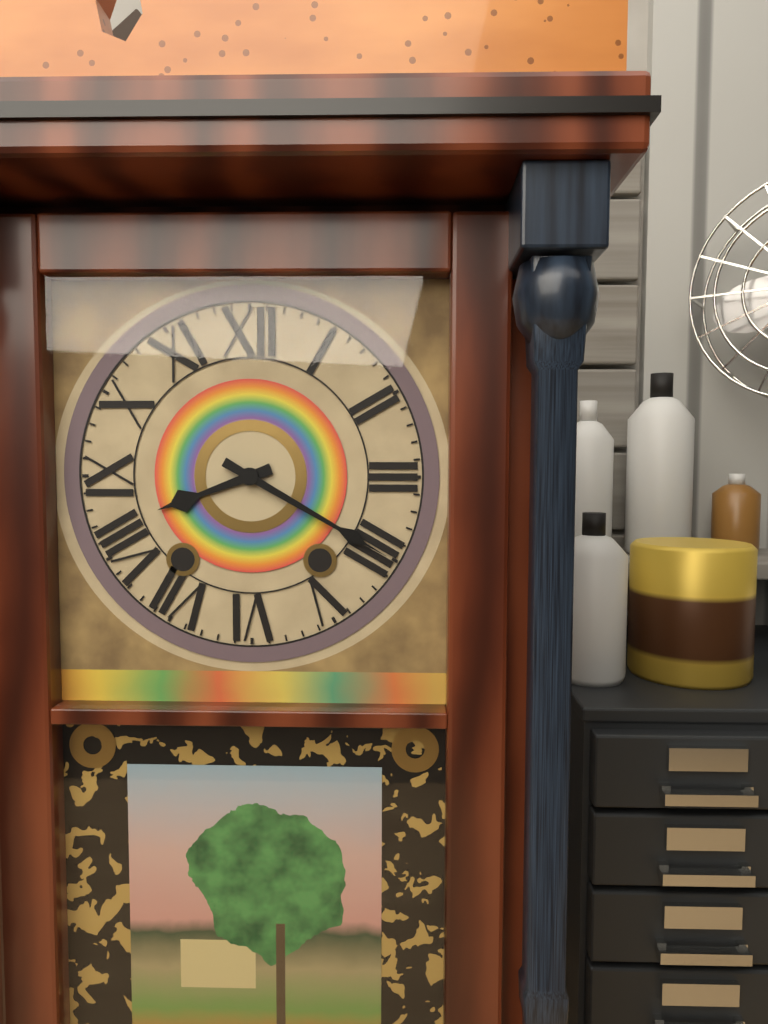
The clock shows **8:20**
